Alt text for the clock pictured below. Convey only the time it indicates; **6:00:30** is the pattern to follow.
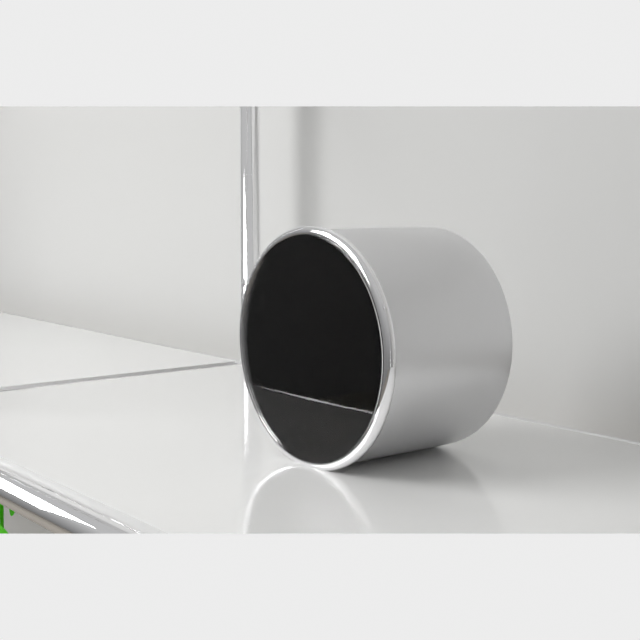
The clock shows **12:28:25**
